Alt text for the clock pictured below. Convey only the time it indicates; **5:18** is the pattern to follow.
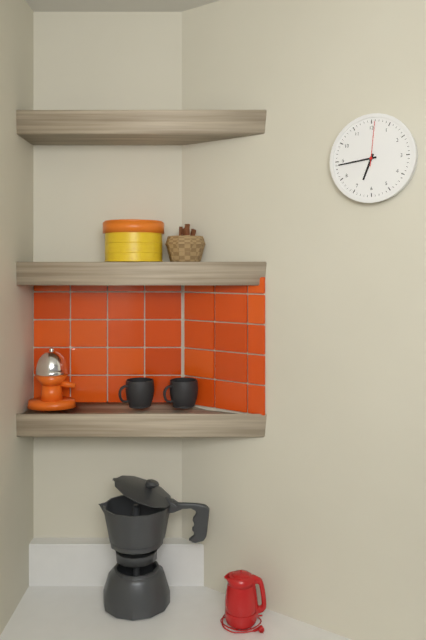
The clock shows **6:44**
